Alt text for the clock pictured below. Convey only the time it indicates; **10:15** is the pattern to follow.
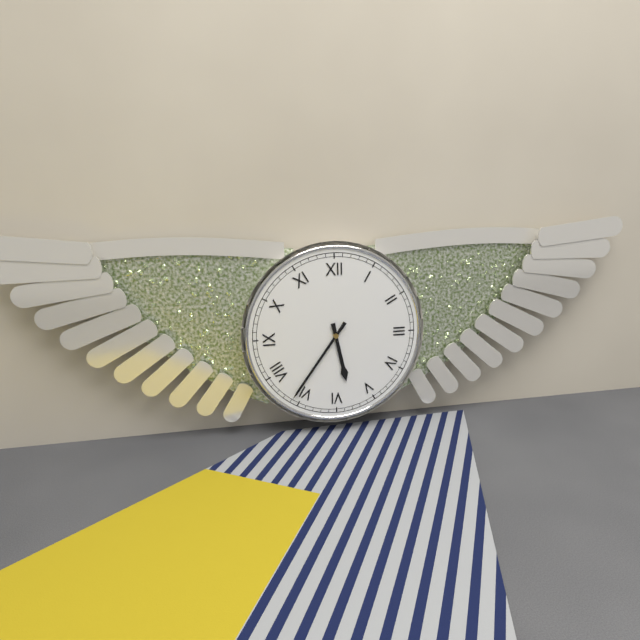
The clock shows **5:36**
